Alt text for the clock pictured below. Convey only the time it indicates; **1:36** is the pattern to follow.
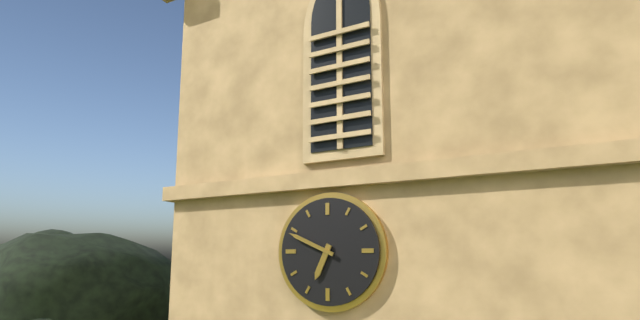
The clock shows **6:49**
